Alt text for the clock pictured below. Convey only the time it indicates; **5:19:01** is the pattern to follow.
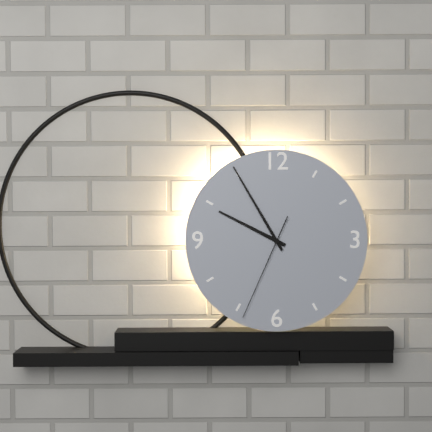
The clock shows **9:55:34**
